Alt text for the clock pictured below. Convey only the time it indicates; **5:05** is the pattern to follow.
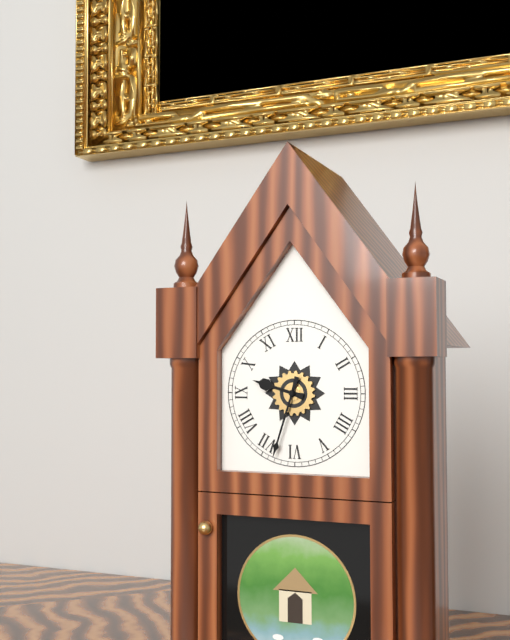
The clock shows **9:33**
